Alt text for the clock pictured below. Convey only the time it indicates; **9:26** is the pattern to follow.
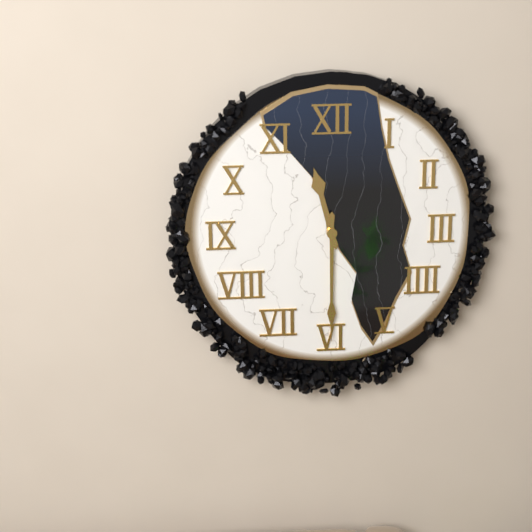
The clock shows **11:30**
